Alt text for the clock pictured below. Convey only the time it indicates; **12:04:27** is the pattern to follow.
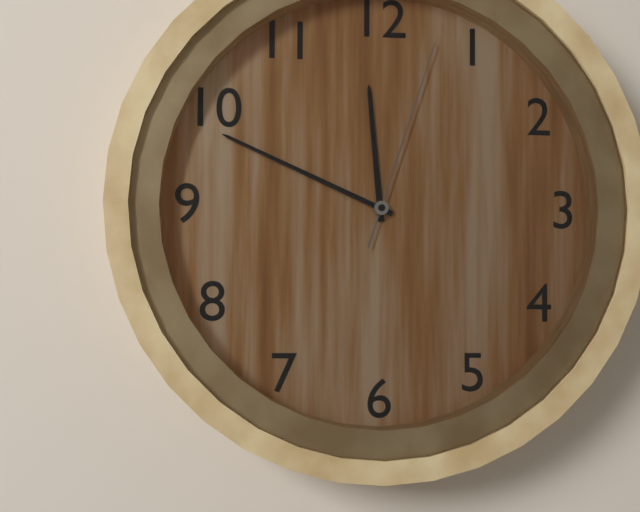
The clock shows **11:49:03**
